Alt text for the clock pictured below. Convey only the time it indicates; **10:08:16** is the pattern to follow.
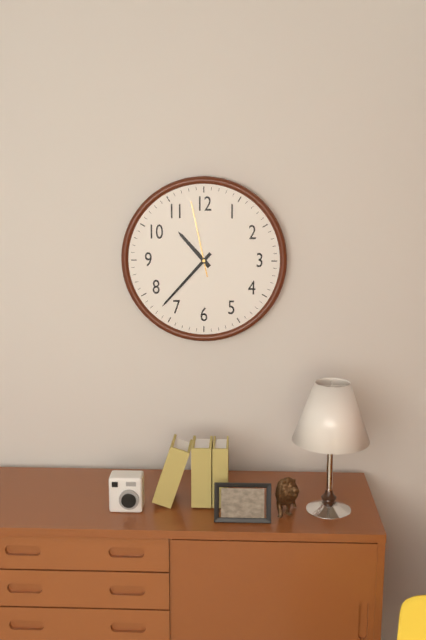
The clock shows **10:37:58**
